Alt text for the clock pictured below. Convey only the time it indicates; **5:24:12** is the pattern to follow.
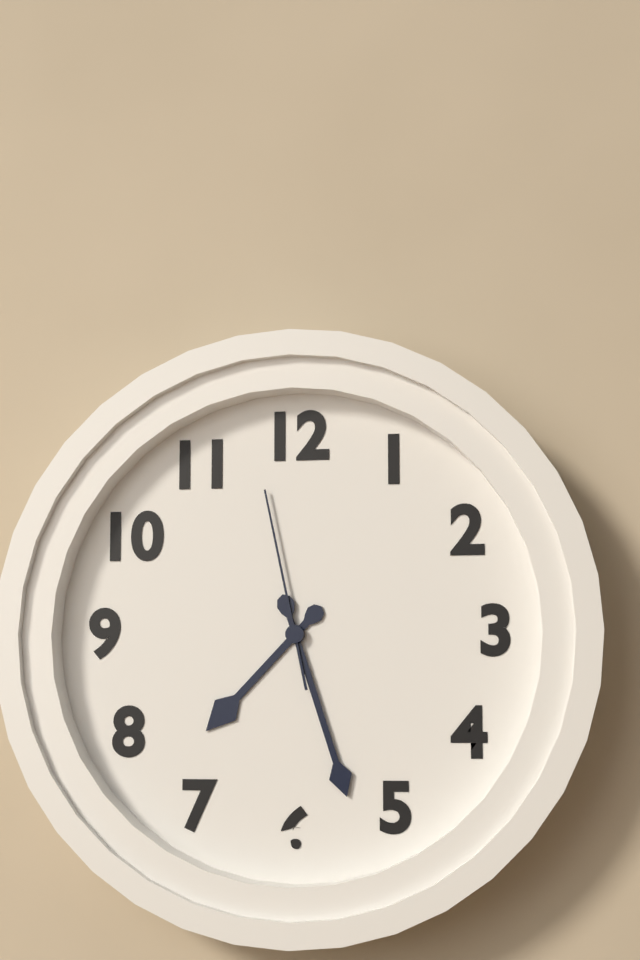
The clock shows **7:27:58**
